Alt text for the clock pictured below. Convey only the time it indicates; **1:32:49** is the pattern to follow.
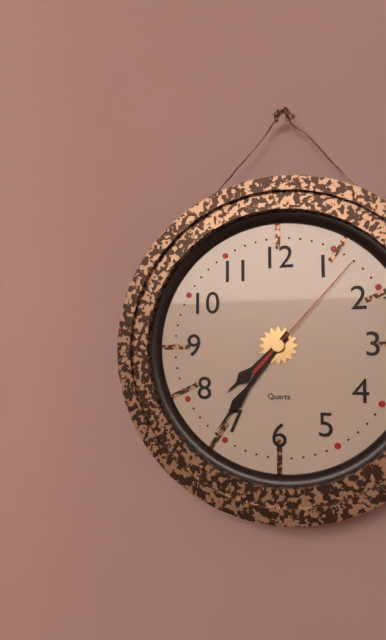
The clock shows **7:36:07**
